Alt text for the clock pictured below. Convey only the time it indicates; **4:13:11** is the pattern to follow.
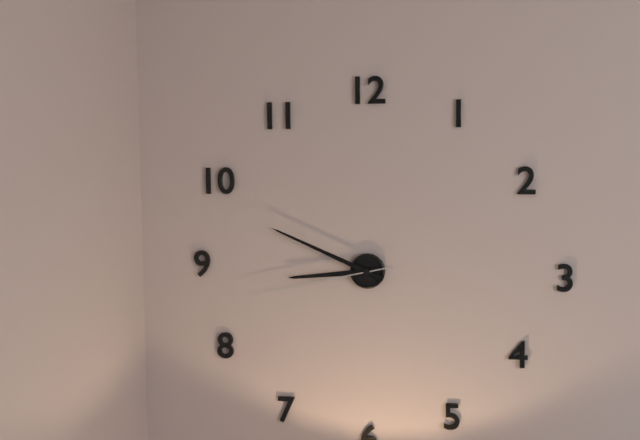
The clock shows **8:49:43**
